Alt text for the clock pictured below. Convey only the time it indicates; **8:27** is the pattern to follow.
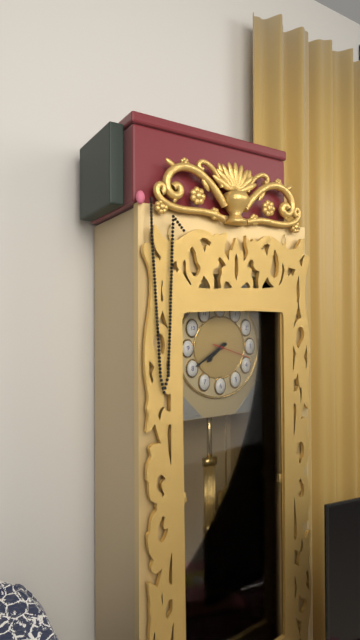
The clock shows **7:40**
